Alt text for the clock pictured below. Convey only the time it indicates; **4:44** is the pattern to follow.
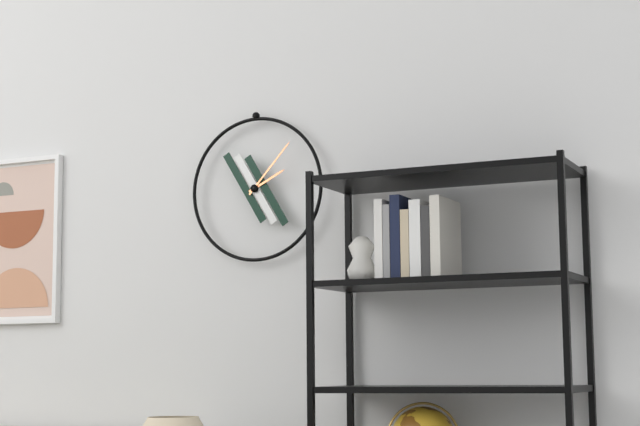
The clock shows **2:07**
